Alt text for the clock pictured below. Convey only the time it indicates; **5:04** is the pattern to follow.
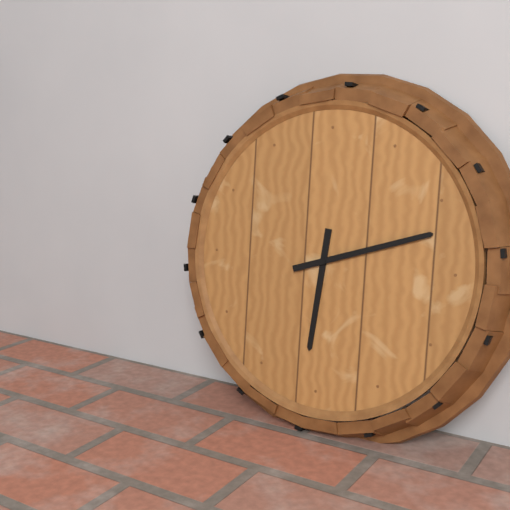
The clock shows **6:12**
